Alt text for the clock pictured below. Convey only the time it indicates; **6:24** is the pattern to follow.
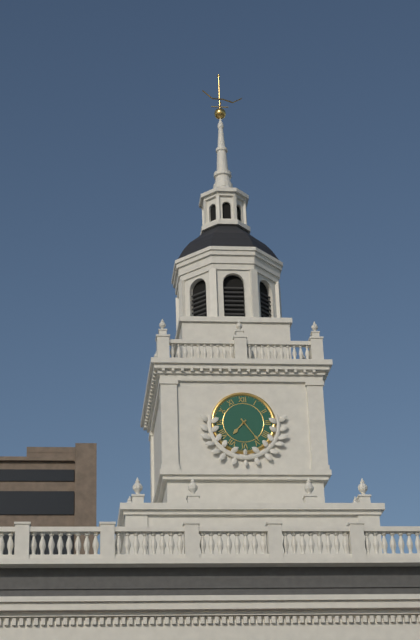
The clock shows **7:24**
